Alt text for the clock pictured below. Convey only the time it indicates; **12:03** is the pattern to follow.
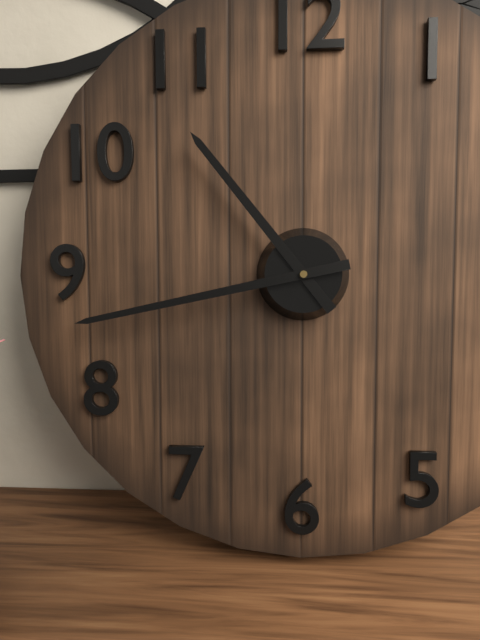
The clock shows **10:43**
